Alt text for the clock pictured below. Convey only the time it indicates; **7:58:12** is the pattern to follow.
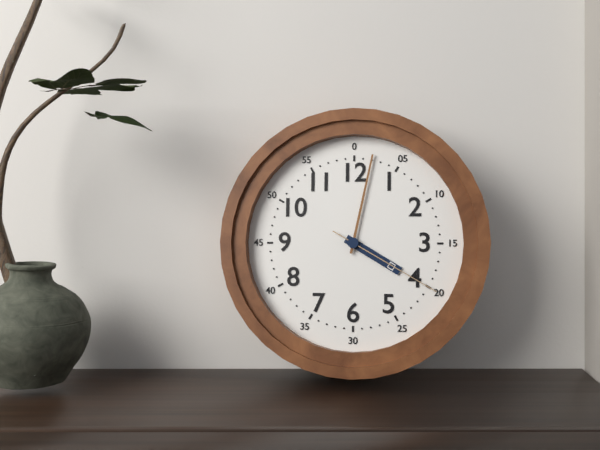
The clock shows **4:02:20**
